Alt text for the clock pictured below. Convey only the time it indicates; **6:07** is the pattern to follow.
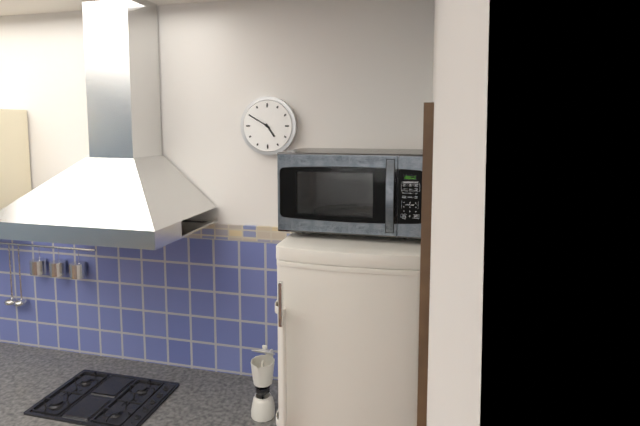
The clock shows **4:50**
